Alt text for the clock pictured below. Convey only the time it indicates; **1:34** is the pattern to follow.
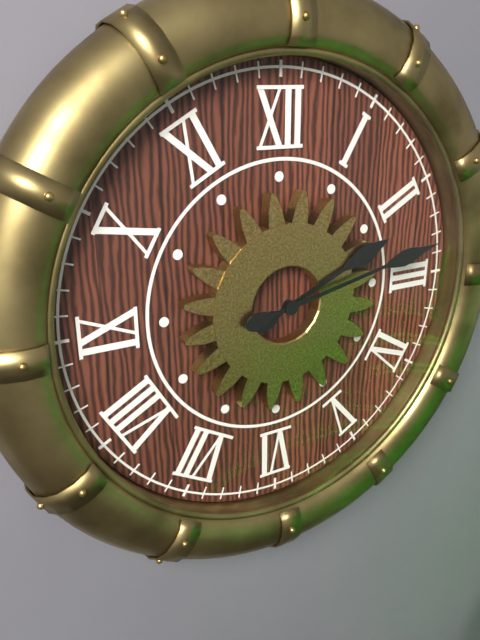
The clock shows **2:13**
